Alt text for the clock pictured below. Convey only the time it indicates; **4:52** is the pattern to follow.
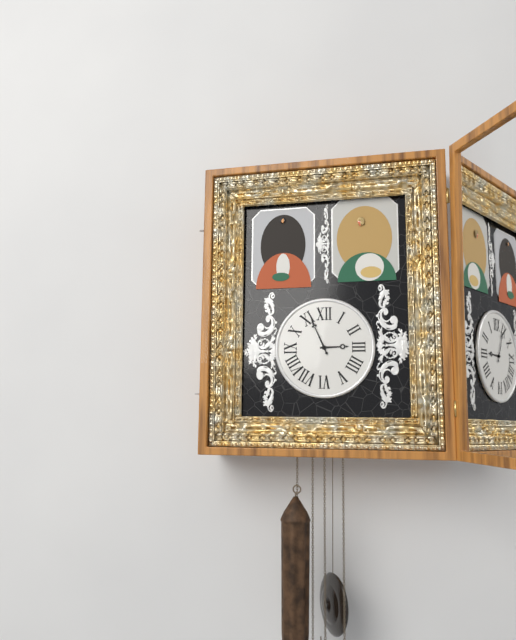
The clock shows **2:56**
